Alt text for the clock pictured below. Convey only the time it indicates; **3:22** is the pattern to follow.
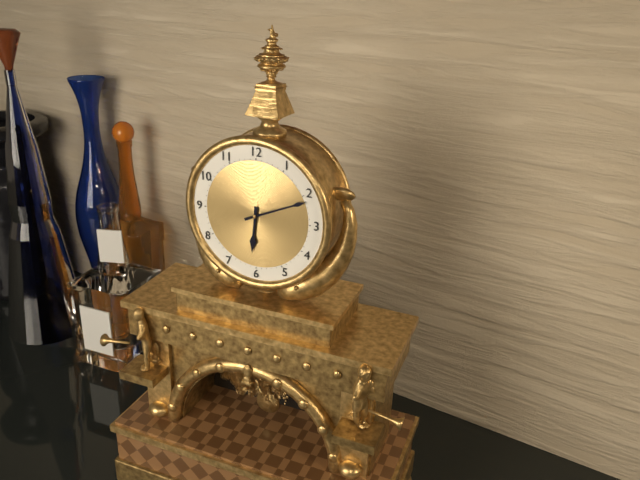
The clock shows **6:11**
